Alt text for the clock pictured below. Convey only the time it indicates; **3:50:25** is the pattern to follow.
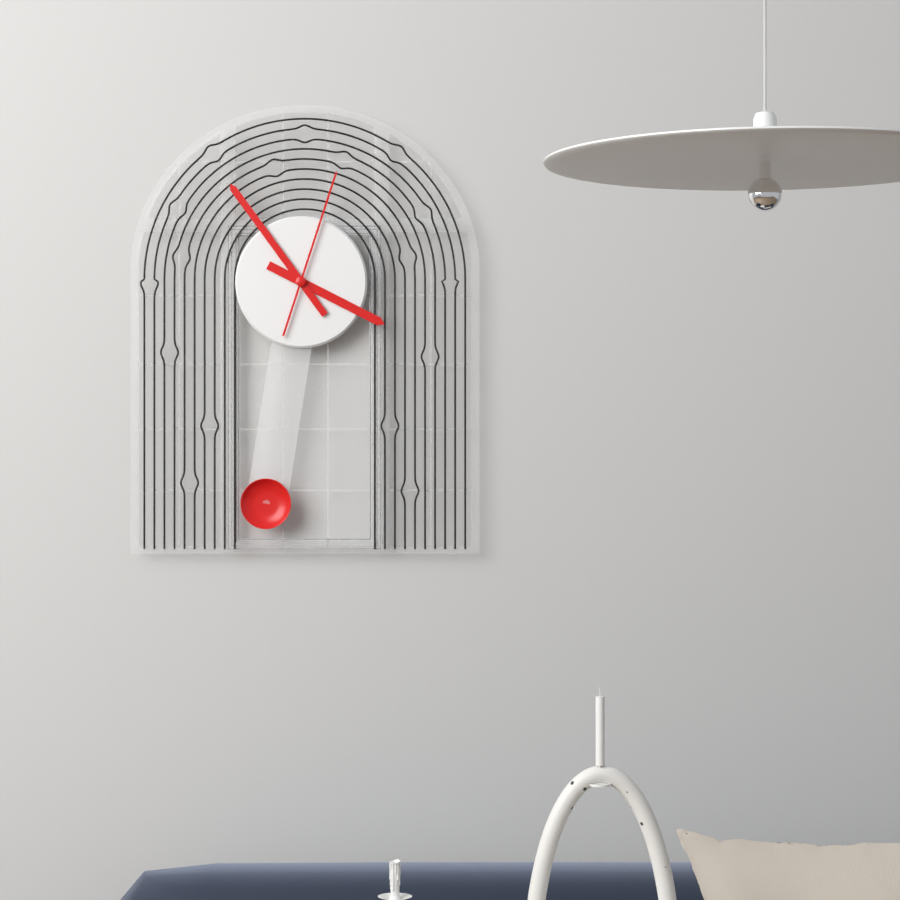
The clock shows **3:54:03**
